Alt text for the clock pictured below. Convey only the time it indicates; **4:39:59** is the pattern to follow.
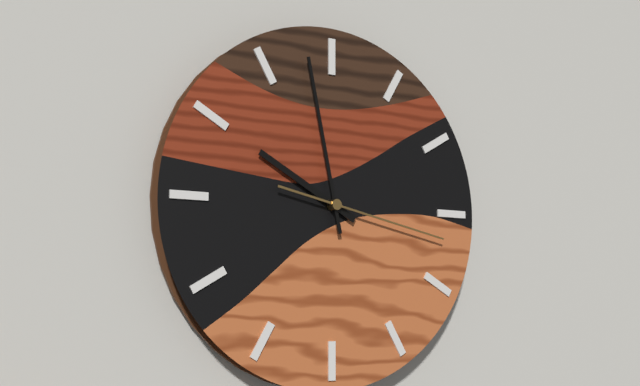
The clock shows **9:58:17**
